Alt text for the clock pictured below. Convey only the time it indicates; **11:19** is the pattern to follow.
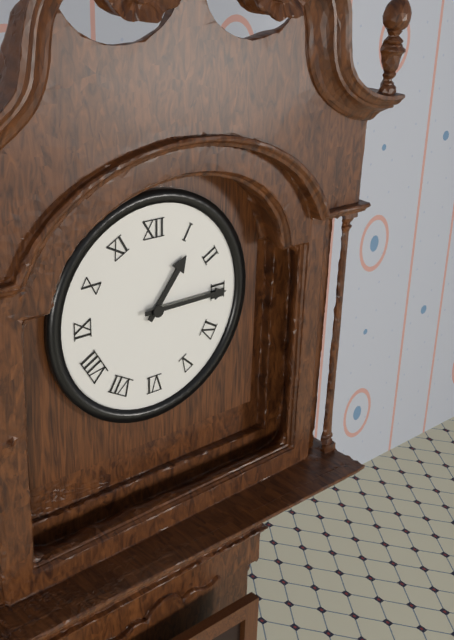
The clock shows **1:15**
